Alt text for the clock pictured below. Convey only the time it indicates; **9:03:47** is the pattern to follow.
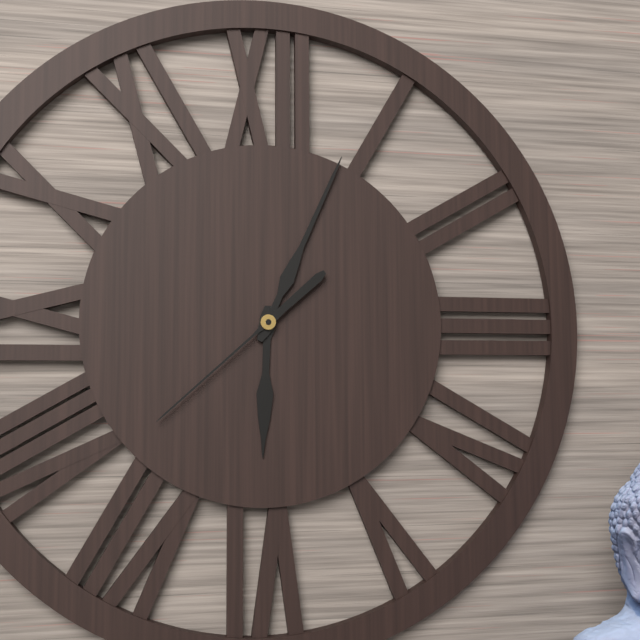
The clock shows **6:04:38**
